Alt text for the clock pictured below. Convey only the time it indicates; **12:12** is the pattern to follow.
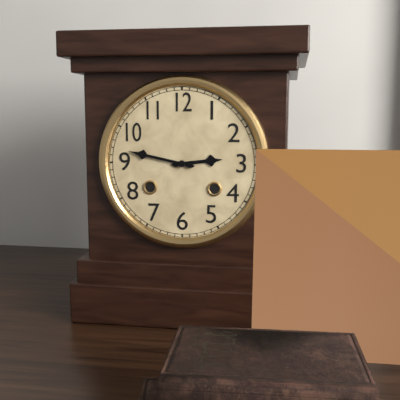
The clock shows **2:47**
